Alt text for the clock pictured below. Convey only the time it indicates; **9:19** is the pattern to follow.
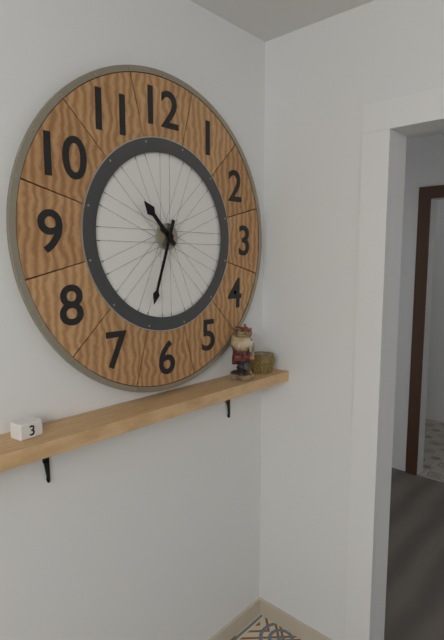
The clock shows **10:33**
